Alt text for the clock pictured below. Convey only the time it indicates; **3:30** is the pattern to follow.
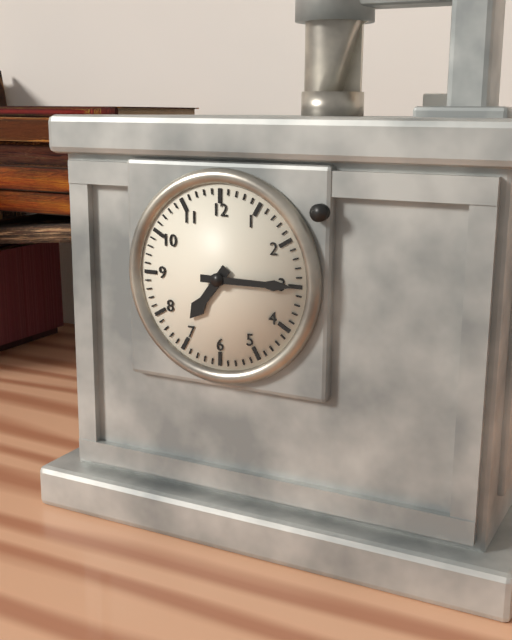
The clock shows **7:15**
